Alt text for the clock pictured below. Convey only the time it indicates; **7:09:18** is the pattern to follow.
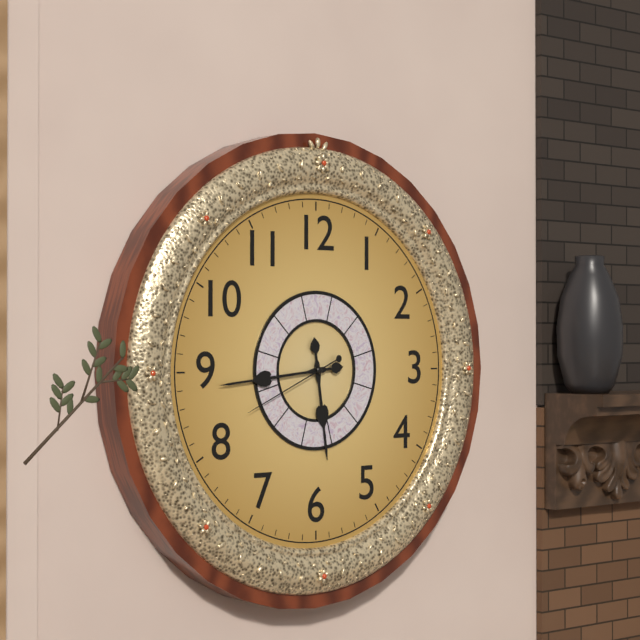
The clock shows **5:44:41**
